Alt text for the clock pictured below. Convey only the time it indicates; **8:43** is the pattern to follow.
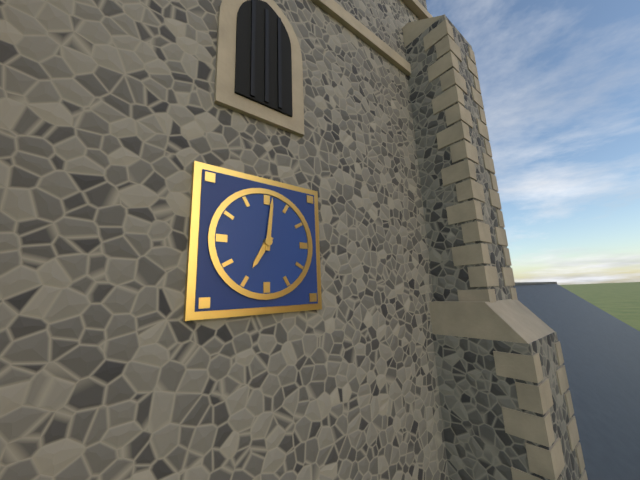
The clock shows **7:01**
